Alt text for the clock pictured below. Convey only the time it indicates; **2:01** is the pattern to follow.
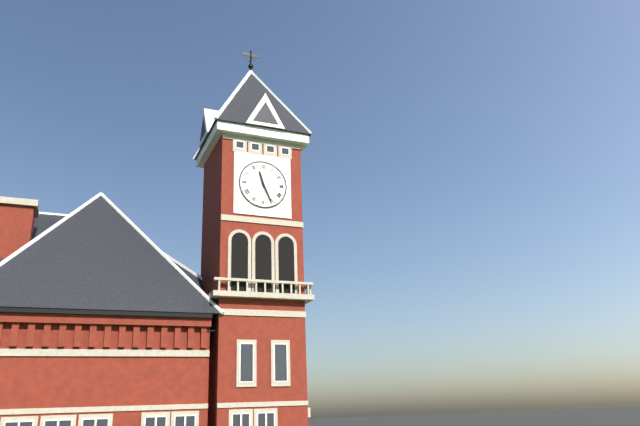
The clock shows **11:26**
